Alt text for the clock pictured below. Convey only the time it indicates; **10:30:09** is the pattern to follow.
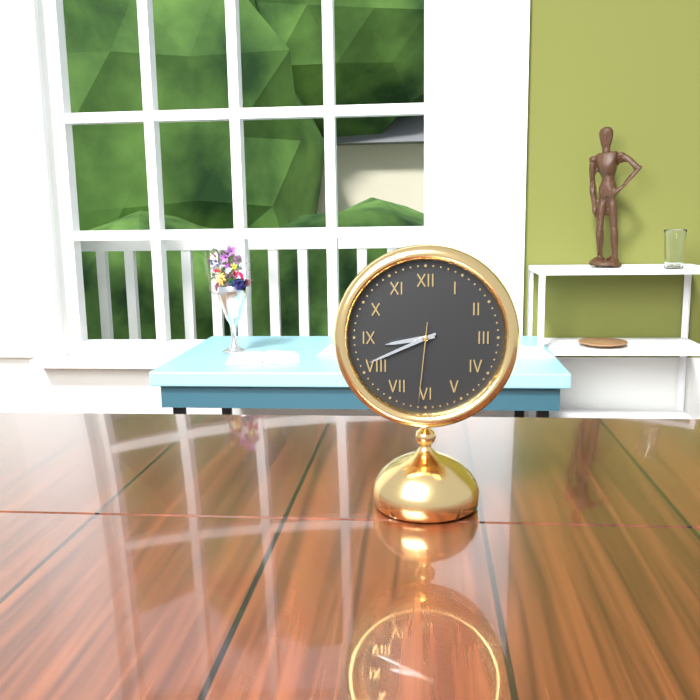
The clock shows **8:41:31**
